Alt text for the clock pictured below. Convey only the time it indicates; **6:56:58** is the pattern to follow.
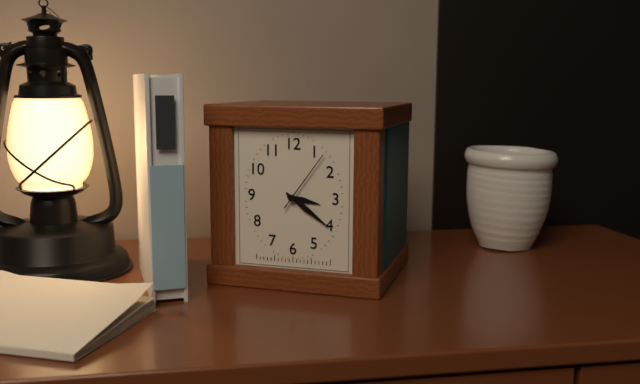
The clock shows **3:21:06**
